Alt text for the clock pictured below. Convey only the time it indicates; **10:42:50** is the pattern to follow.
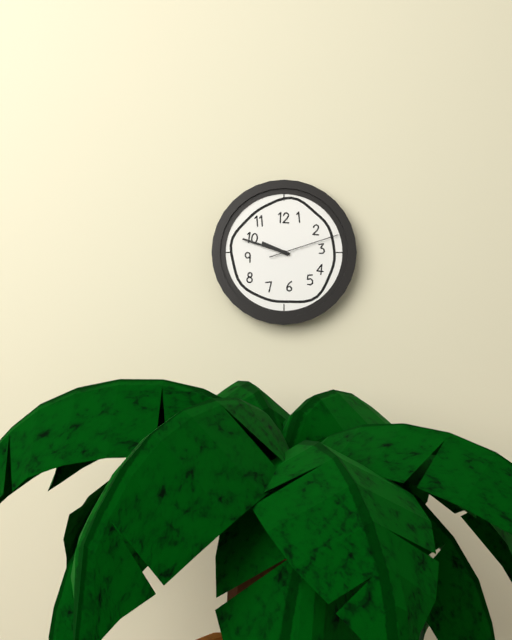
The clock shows **9:48:12**
